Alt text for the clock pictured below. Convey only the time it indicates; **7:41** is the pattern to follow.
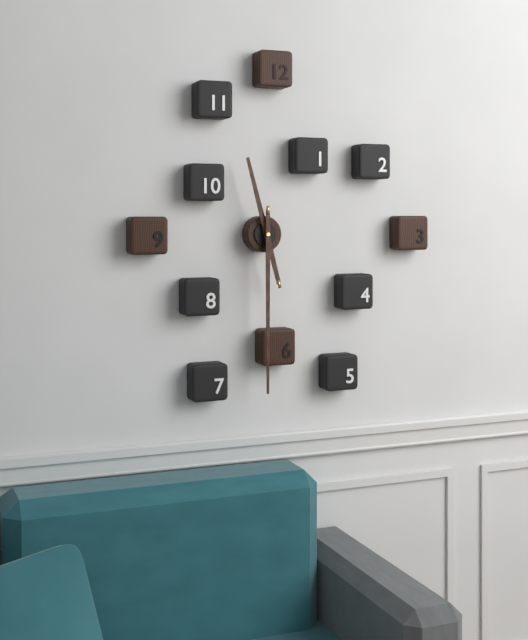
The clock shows **11:30**
